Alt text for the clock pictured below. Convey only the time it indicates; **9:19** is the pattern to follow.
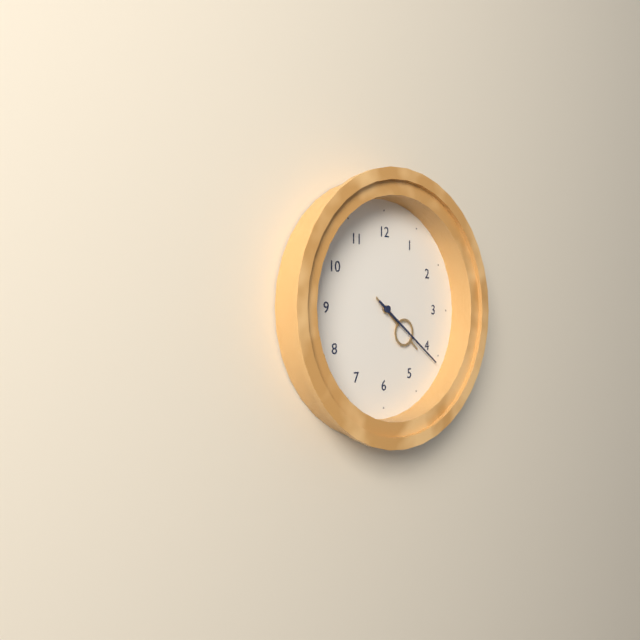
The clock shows **4:21**
